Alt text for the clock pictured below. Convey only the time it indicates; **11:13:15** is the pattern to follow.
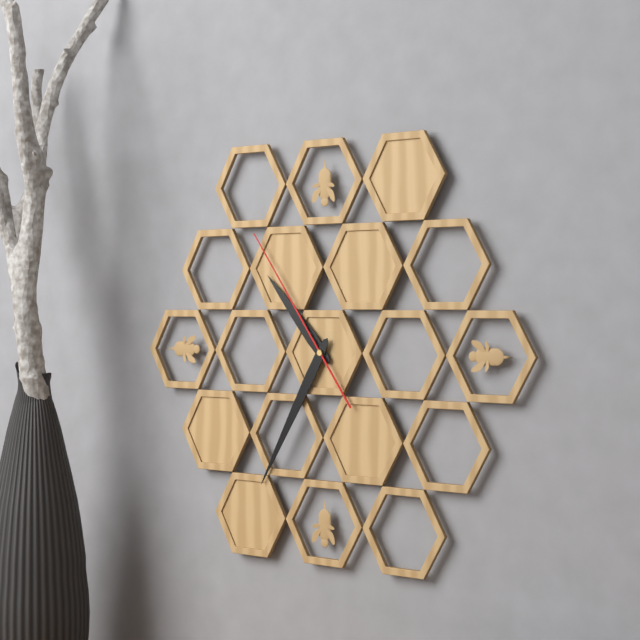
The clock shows **10:35:54**
